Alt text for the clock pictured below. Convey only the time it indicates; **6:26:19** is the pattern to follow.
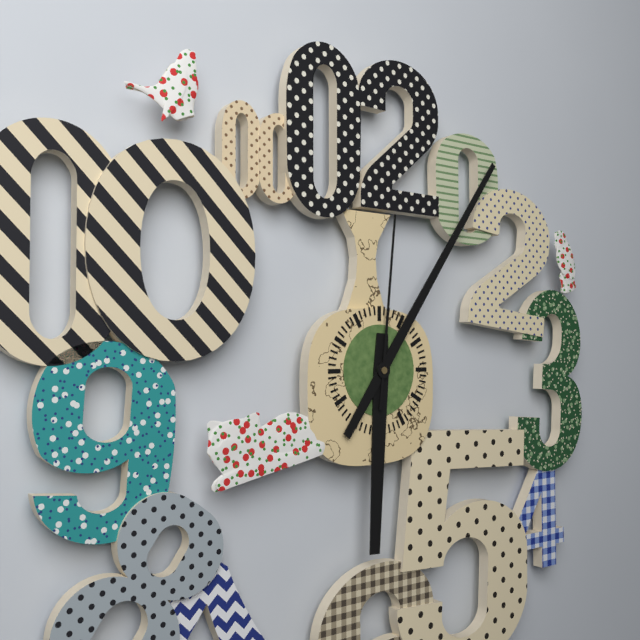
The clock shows **6:06:01**
